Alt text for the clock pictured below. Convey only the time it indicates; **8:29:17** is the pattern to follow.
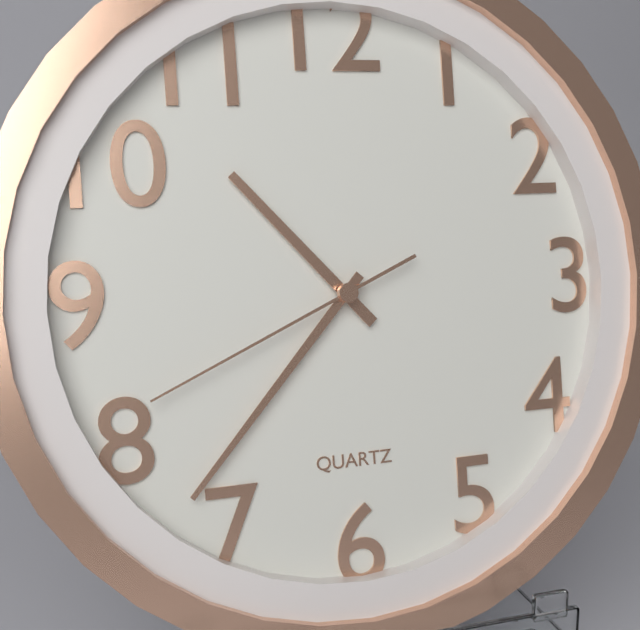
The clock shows **10:37:41**
